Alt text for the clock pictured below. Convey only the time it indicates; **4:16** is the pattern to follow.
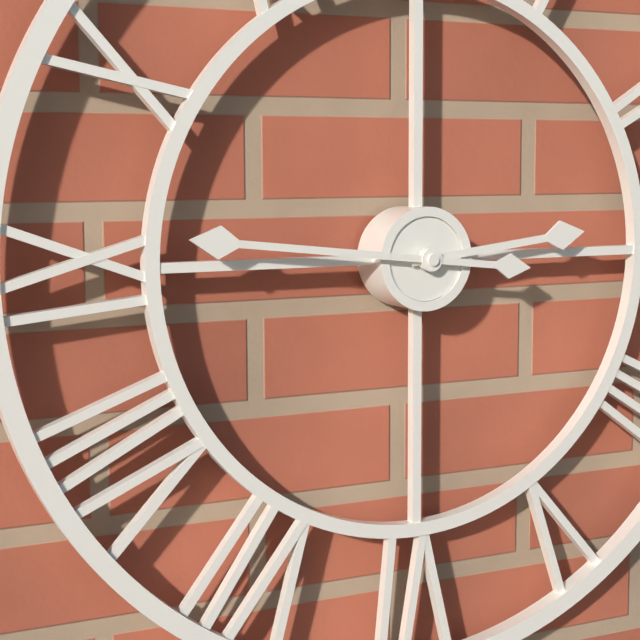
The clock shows **2:46**
